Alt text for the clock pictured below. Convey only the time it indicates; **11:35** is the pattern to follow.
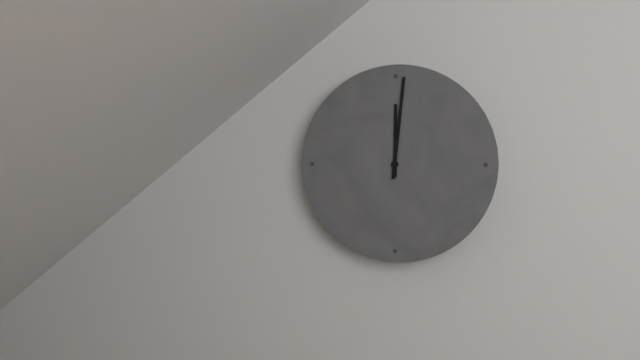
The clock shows **12:01**
